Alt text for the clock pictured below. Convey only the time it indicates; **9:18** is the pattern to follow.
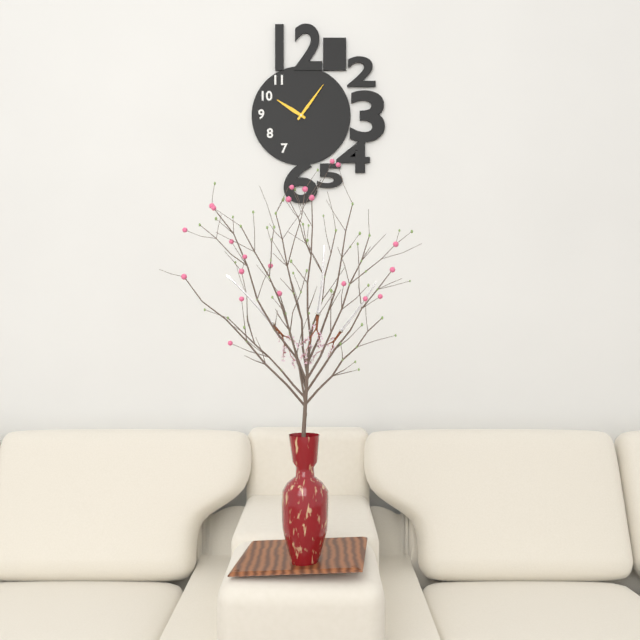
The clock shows **10:06**
